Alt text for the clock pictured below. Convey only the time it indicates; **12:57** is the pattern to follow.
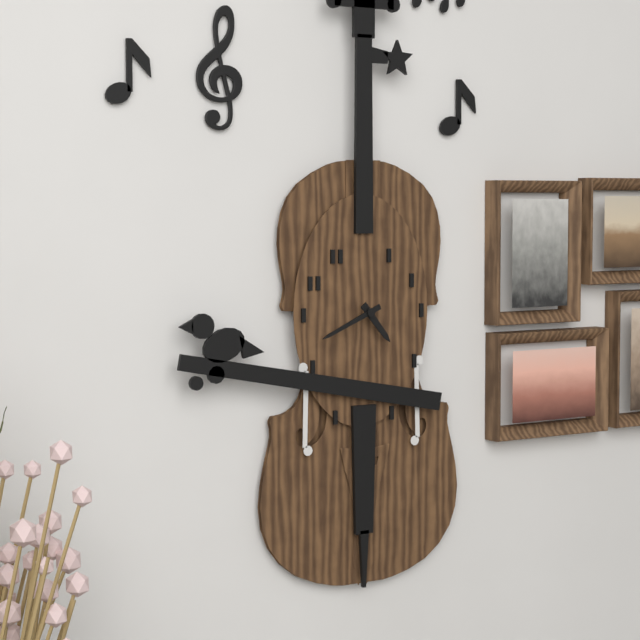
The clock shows **4:41**
